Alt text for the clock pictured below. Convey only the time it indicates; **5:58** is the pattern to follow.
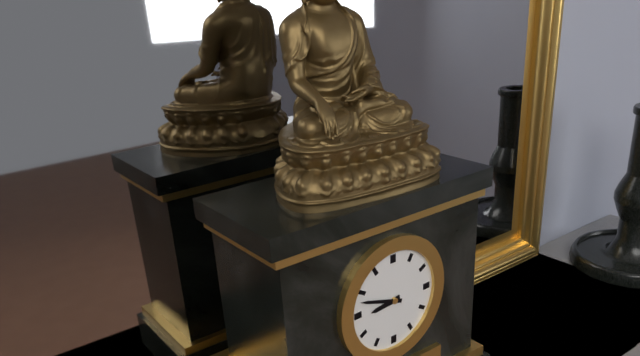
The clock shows **8:48**
